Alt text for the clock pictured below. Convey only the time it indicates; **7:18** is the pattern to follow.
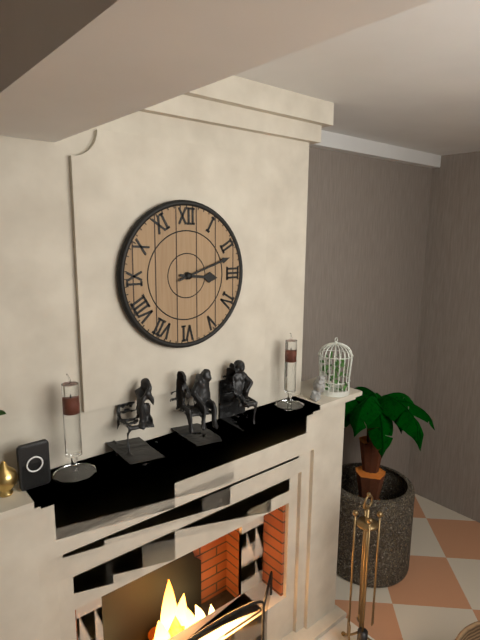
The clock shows **3:12**
